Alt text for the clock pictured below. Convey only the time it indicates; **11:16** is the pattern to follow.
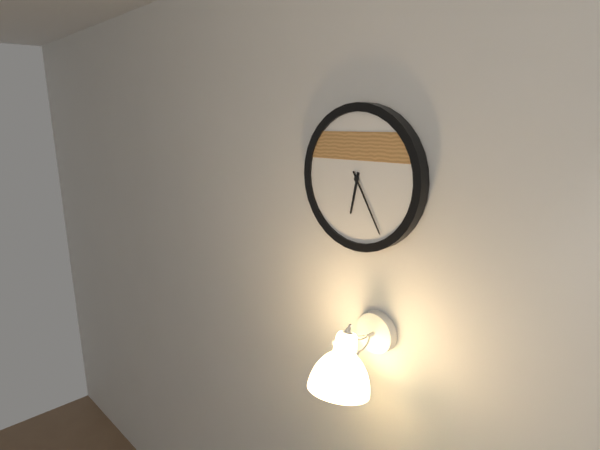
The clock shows **6:25**
